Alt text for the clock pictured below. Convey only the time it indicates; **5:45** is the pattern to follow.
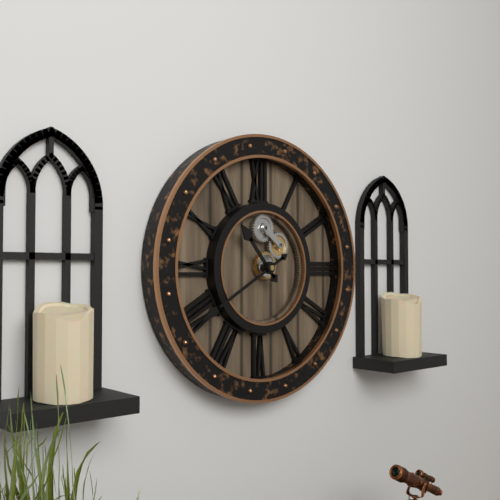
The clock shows **10:40**
